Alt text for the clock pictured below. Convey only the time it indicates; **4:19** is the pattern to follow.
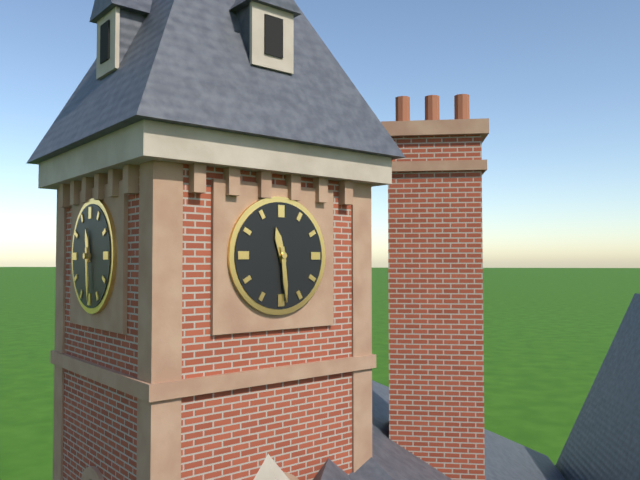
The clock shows **11:29**
